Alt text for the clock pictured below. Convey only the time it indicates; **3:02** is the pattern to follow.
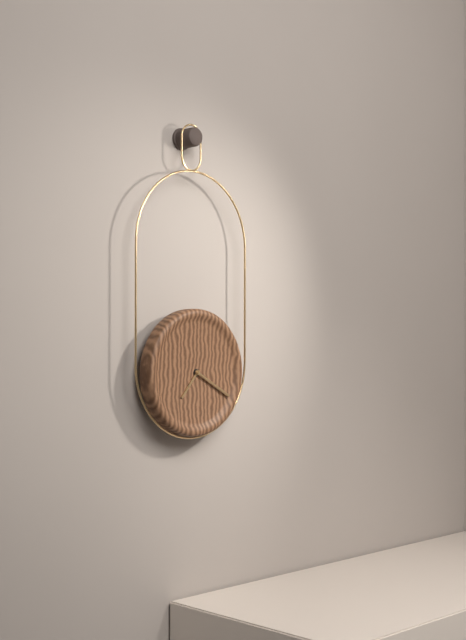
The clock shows **7:20**
